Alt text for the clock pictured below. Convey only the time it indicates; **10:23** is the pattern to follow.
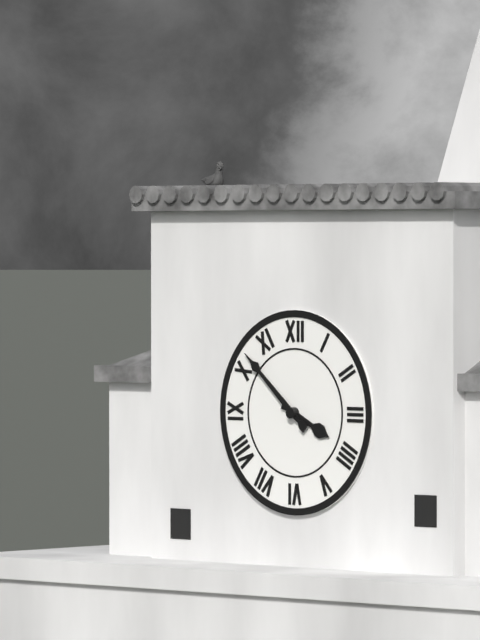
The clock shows **3:52**
